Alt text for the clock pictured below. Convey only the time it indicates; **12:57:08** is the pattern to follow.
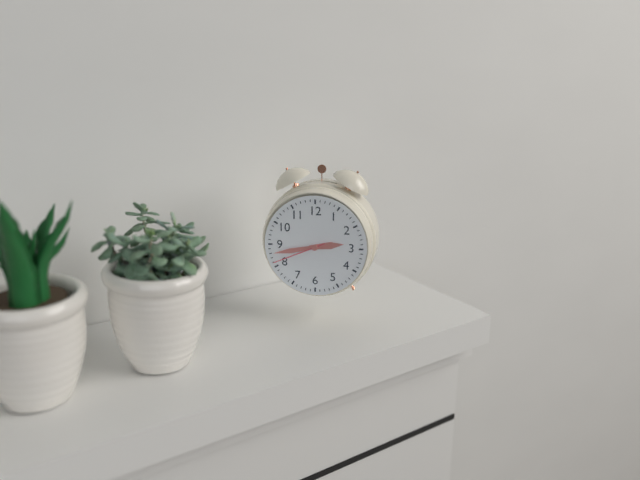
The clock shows **2:43:41**
